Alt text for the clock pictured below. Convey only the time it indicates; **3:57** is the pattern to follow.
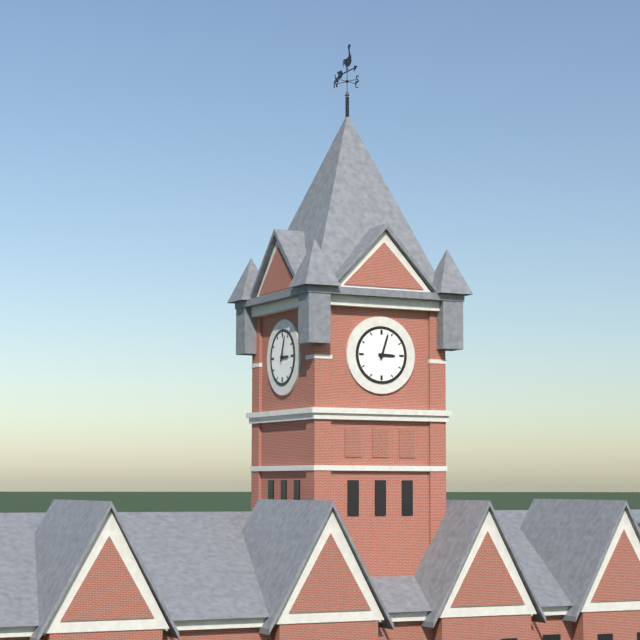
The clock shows **3:03**
